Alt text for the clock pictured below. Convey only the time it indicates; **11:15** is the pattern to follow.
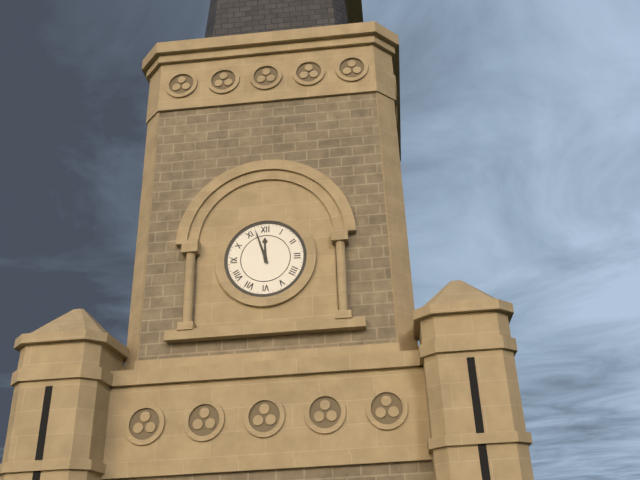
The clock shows **11:57**
